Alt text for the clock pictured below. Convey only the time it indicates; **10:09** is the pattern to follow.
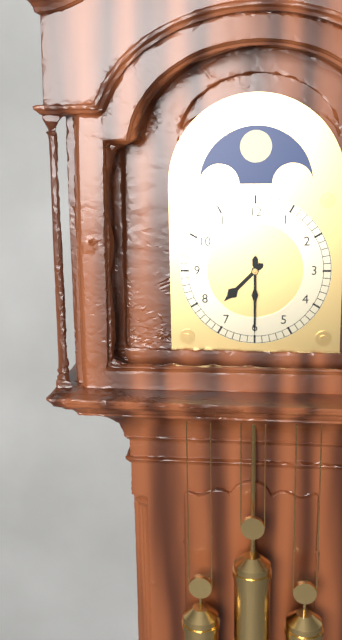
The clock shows **7:30**
